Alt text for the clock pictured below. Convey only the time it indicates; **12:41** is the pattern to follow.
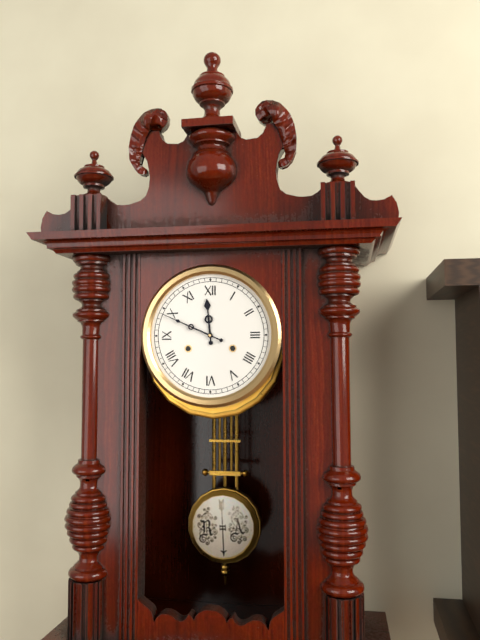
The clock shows **11:49**
